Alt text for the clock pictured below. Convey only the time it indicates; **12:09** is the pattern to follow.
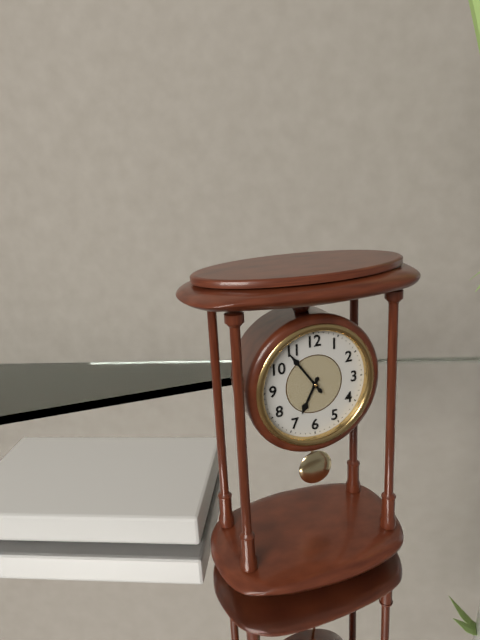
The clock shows **6:54**
